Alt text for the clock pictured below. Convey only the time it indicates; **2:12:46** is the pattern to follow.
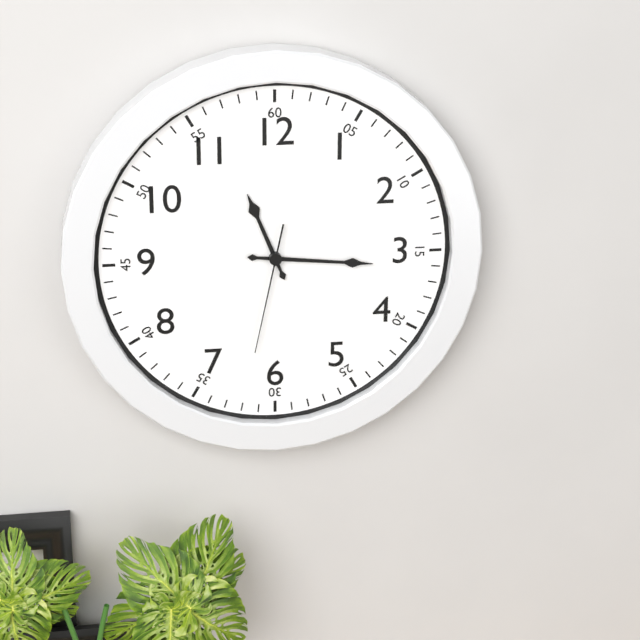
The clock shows **11:16:32**
